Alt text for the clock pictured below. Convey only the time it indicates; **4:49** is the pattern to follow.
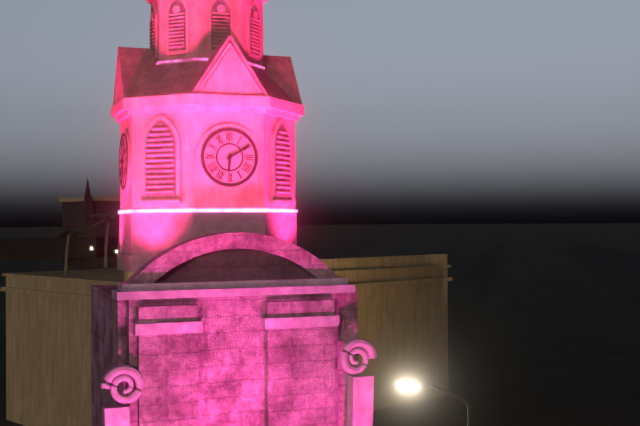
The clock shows **6:10**
